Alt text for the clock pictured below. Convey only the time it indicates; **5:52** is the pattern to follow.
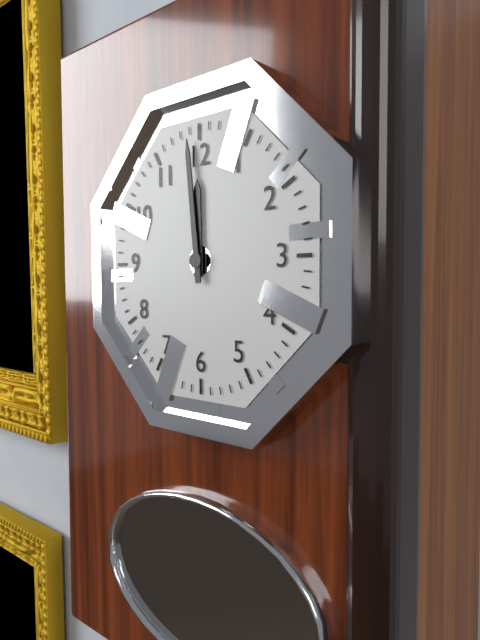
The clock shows **11:59**
